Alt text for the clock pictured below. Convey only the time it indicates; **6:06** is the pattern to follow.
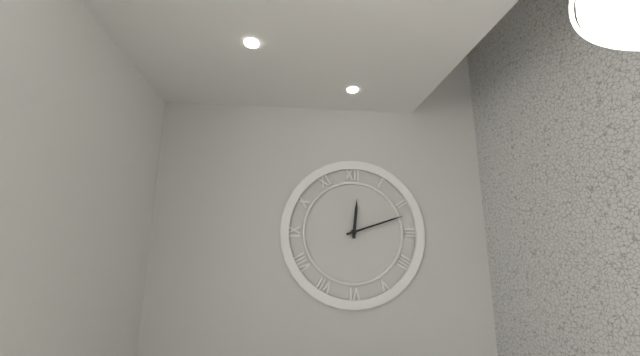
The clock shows **12:12**
